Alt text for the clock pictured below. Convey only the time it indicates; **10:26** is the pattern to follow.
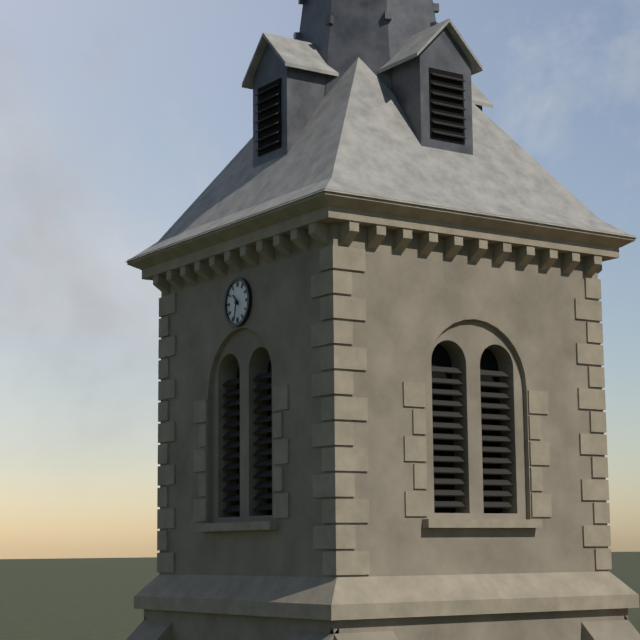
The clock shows **10:32**
